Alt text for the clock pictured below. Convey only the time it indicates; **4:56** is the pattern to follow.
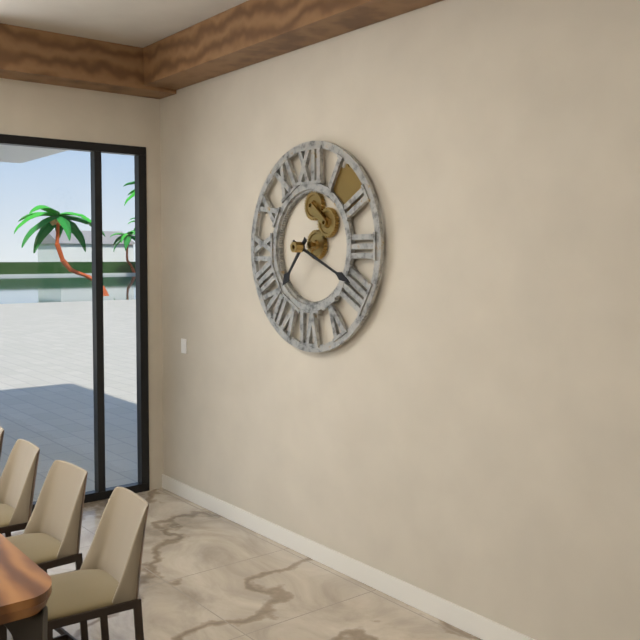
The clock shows **7:19**
